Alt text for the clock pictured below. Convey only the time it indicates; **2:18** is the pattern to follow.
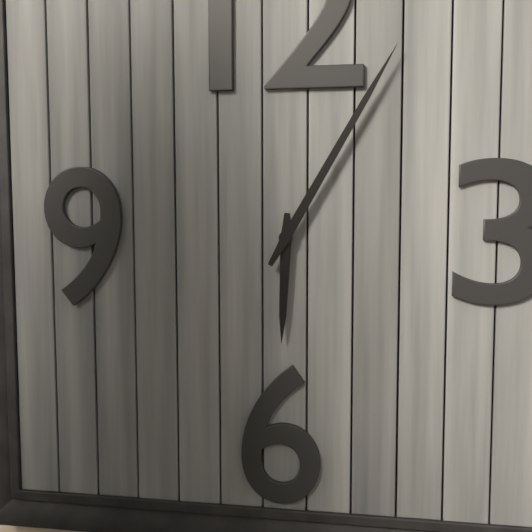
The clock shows **6:05**
